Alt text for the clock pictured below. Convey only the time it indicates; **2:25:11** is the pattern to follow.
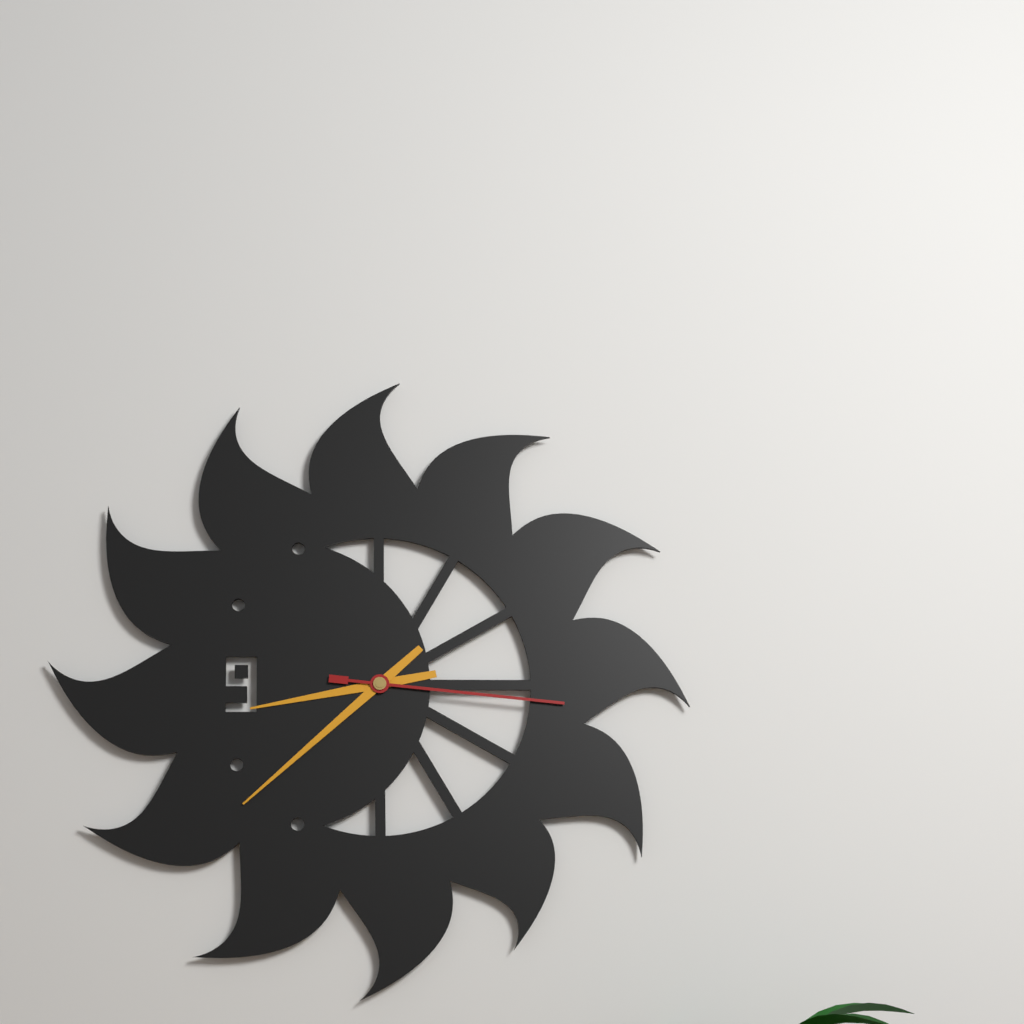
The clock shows **8:38:16**
